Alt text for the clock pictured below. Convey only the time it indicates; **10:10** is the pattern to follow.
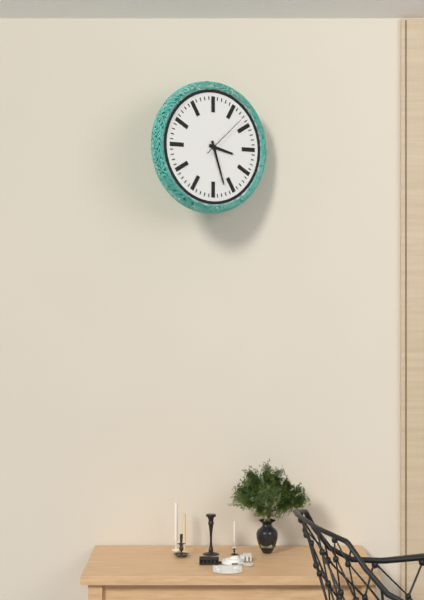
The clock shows **3:27**
